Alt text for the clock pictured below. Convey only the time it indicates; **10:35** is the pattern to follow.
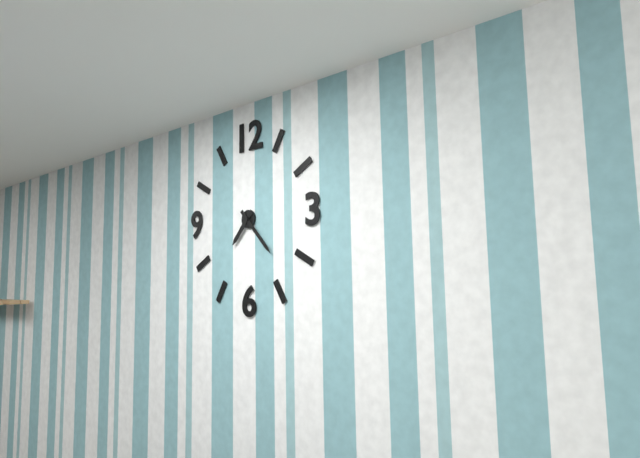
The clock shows **7:23**
